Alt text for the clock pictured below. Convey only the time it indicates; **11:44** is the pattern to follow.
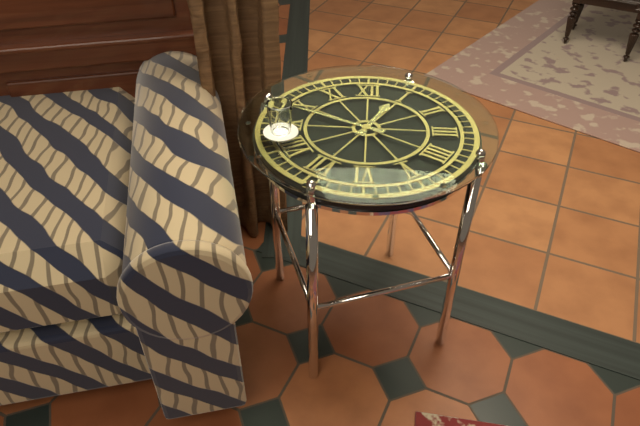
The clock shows **12:49**
